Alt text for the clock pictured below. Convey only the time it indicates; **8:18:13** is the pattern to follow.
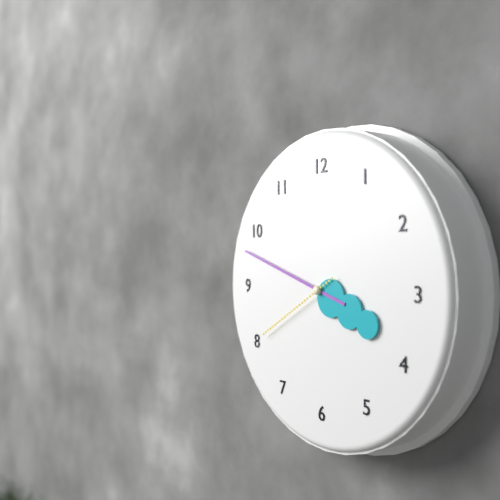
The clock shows **3:48:40**
